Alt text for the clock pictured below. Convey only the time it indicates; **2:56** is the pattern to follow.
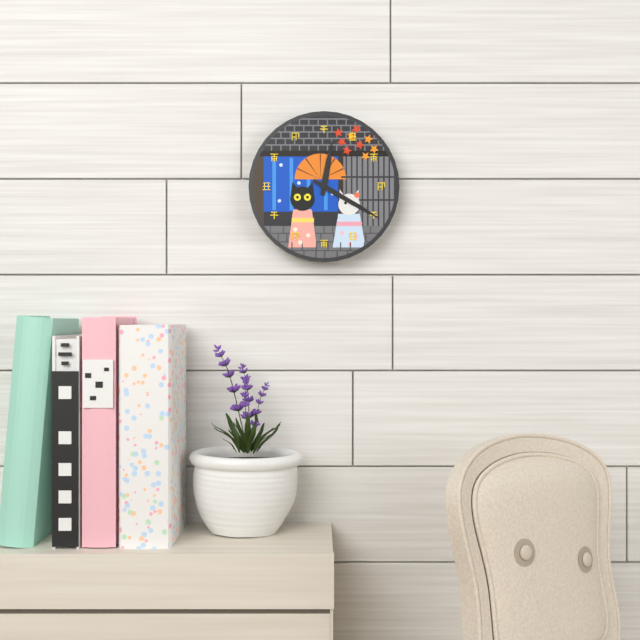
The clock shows **12:20**
